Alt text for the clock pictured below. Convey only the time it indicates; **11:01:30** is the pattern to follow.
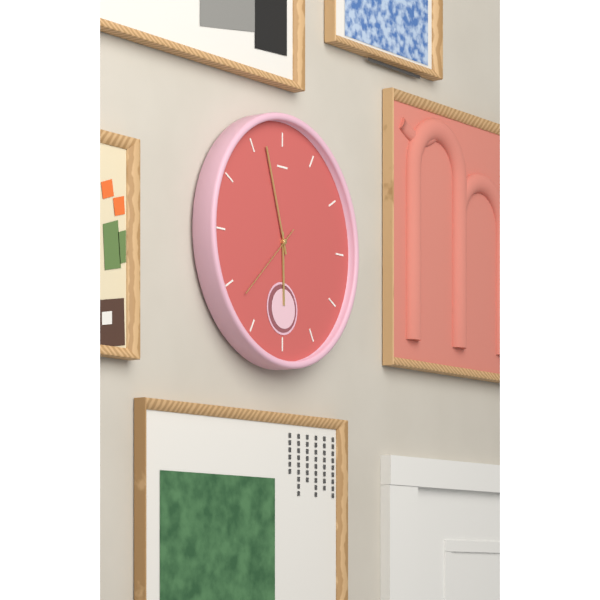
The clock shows **5:57:38**
